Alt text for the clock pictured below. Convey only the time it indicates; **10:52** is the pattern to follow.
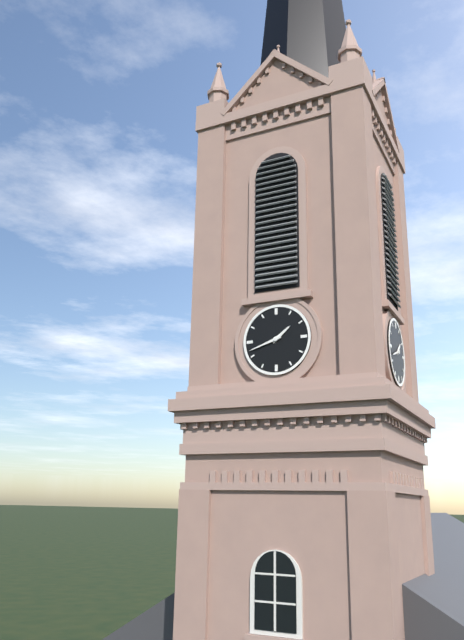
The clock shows **1:42**
